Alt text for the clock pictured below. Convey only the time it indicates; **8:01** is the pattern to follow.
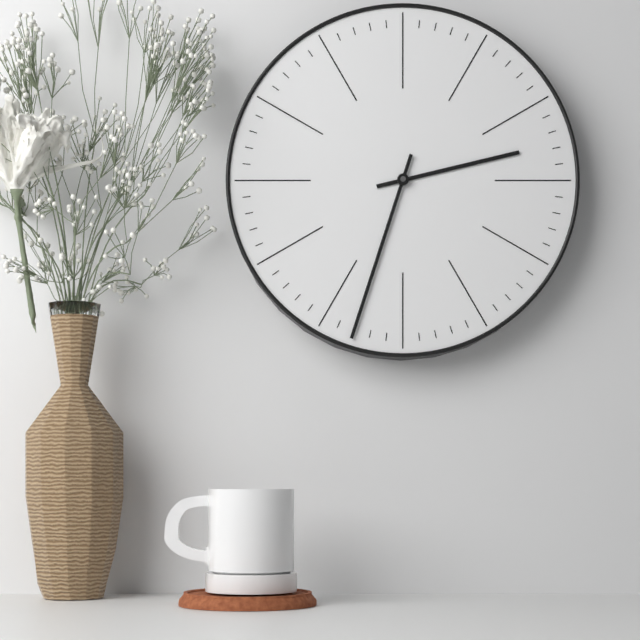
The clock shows **2:33**
